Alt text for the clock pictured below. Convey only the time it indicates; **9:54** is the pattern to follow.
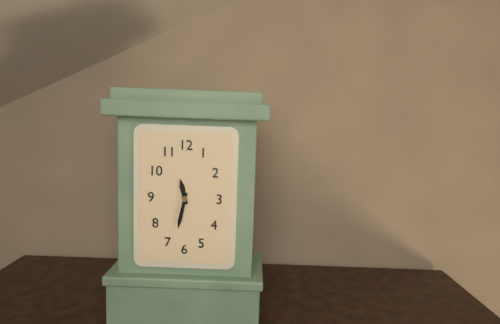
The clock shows **11:32**
